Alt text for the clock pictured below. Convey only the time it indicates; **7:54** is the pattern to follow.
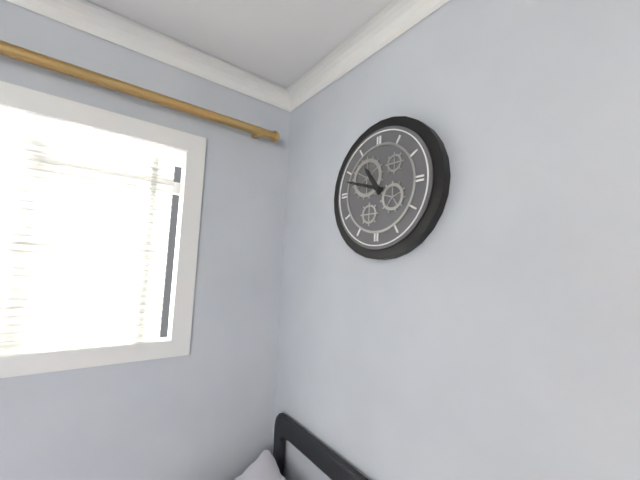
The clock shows **10:48**
